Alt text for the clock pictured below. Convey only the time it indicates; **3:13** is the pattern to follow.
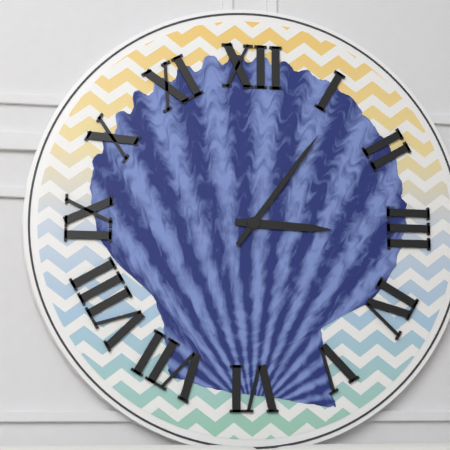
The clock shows **3:06**
